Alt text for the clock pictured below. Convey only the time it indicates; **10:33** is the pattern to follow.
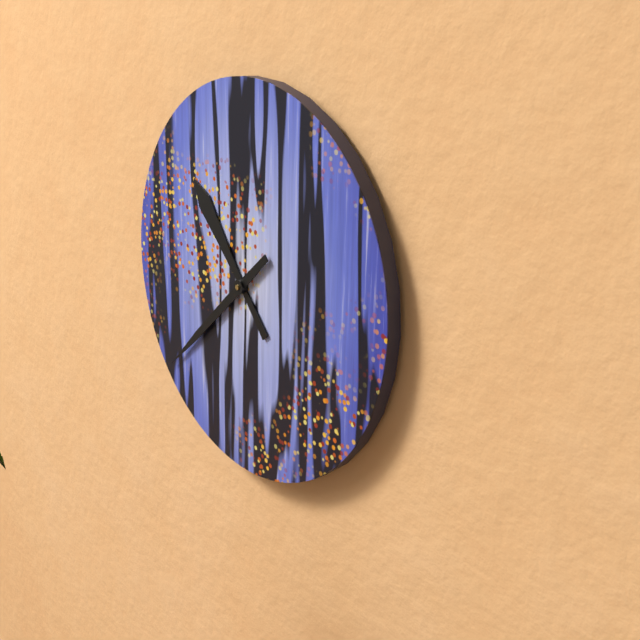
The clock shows **10:38**
